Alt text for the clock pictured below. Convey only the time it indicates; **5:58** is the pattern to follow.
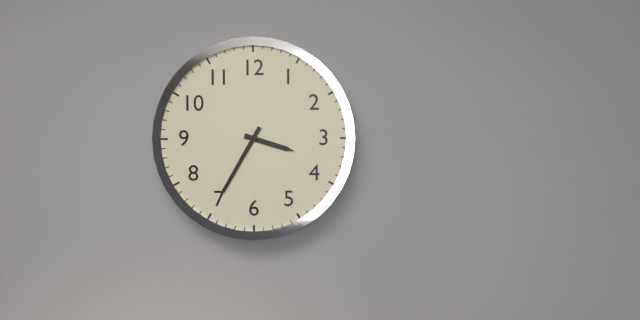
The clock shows **3:35**
